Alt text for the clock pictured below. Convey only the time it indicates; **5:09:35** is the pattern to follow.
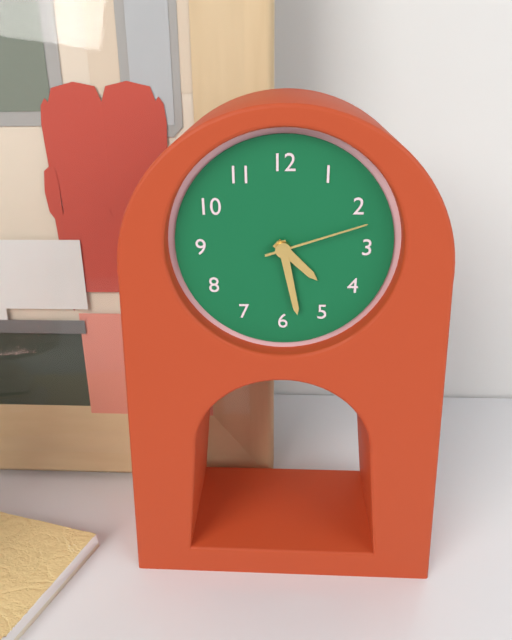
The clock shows **4:28:12**
